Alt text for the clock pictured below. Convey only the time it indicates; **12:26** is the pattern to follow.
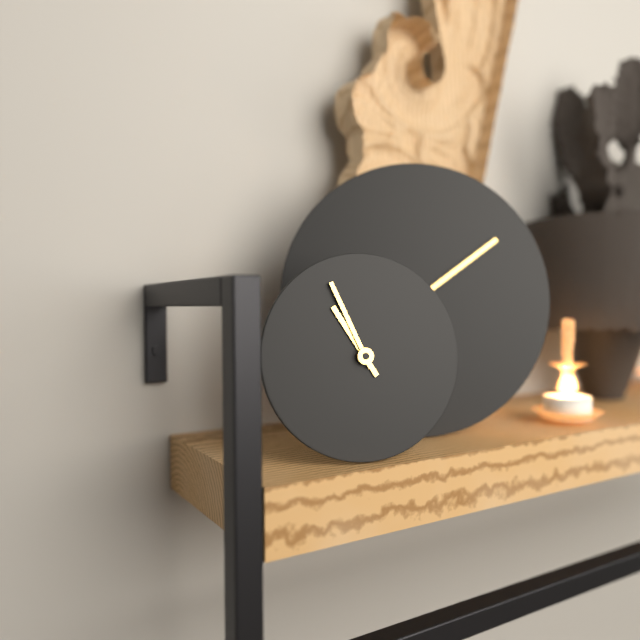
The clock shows **10:56**
